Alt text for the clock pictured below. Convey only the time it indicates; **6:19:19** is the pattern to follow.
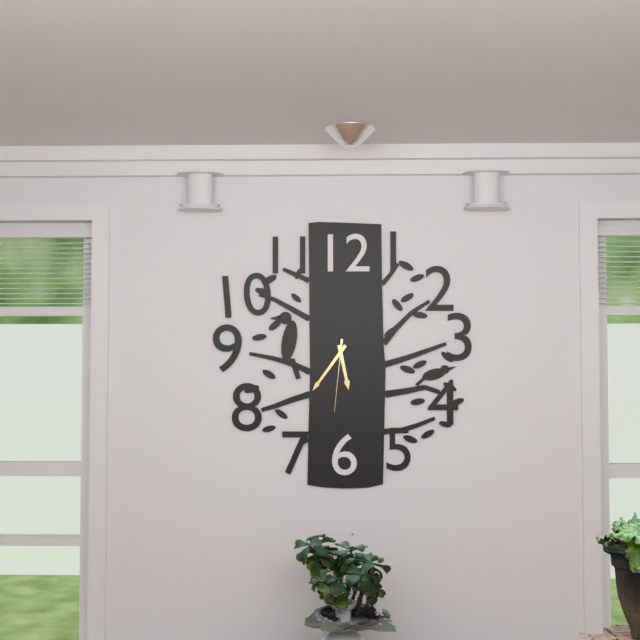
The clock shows **5:36:31**
